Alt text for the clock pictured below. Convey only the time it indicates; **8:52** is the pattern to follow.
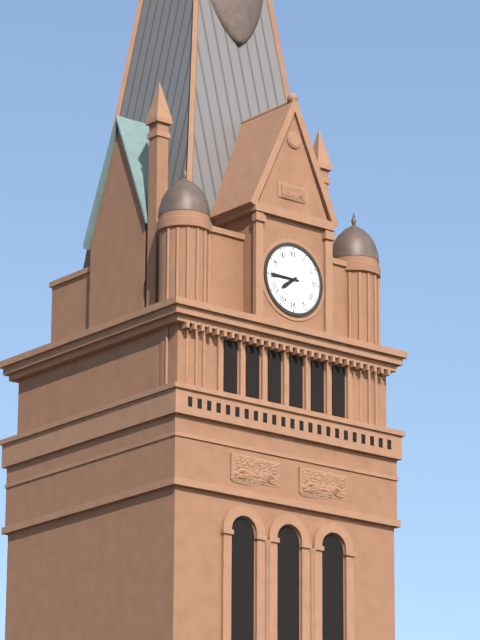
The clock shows **7:45**
